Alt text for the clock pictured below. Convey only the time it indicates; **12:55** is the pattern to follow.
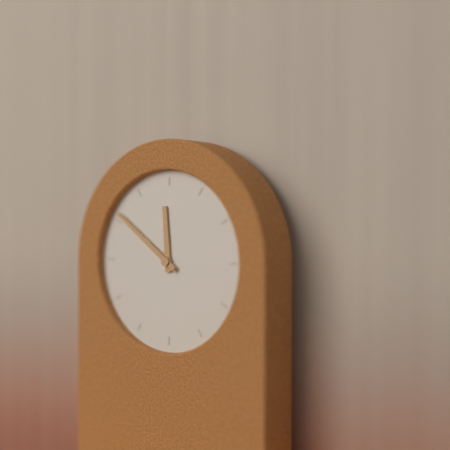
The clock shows **11:51**
